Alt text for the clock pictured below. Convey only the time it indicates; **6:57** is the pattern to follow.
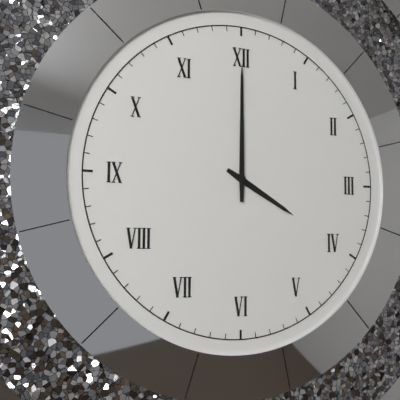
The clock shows **4:00**
